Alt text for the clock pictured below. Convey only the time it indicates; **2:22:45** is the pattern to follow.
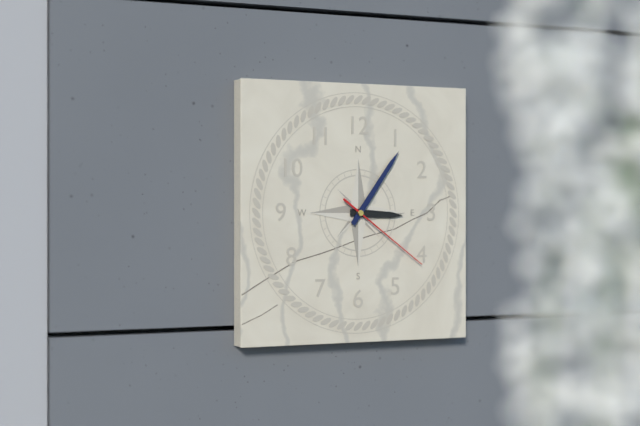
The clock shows **3:06:21**
